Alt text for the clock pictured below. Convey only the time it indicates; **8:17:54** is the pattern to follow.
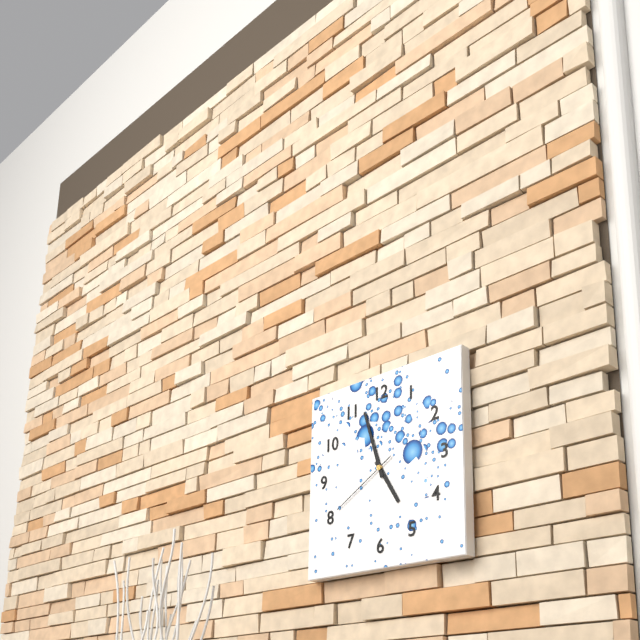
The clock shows **4:57:40**
